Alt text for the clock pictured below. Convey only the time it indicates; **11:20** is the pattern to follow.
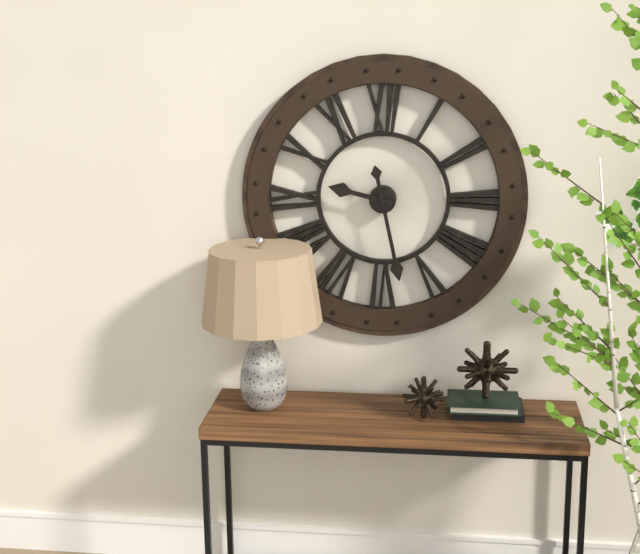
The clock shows **9:28**
